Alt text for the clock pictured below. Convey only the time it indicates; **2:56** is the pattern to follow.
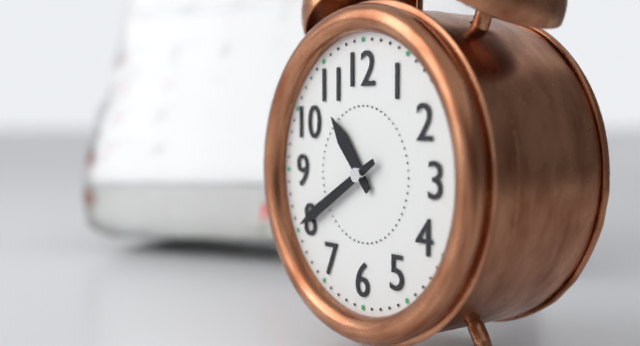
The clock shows **10:40**
